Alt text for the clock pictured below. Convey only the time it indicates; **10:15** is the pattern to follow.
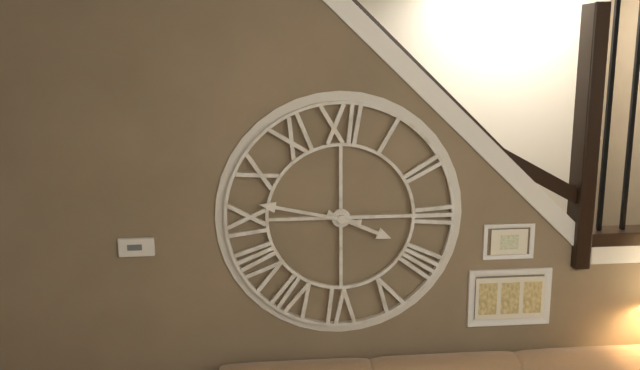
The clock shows **3:47**
